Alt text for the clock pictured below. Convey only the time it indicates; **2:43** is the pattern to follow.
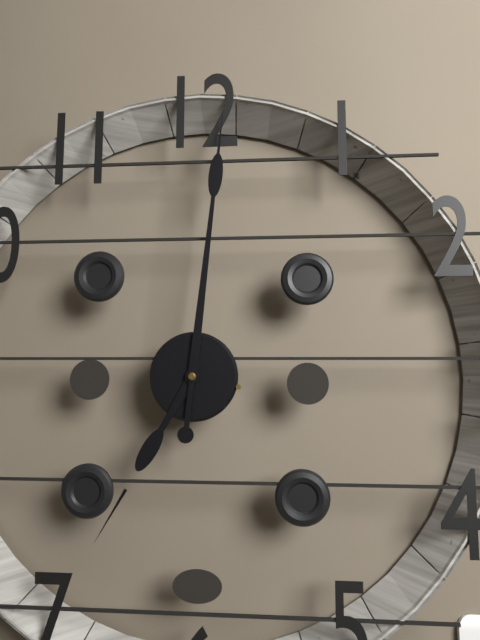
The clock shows **7:01**
